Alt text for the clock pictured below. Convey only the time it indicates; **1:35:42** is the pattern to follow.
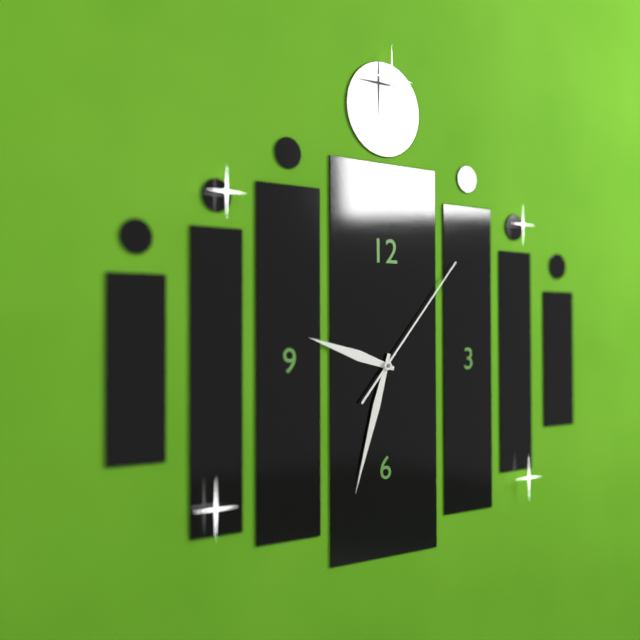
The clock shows **9:33:07**
